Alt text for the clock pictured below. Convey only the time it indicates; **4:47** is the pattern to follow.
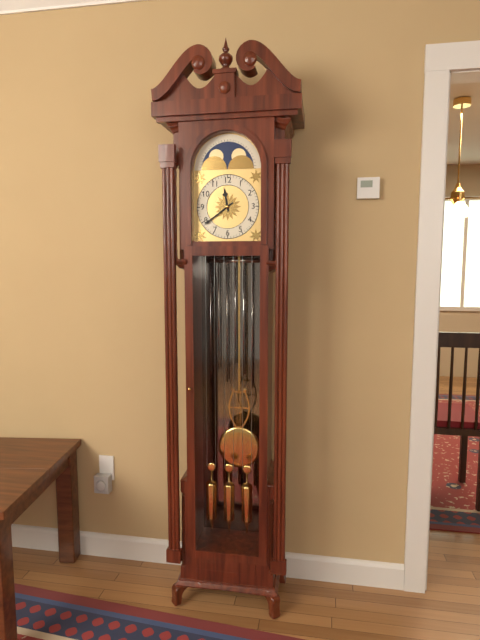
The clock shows **11:39**
